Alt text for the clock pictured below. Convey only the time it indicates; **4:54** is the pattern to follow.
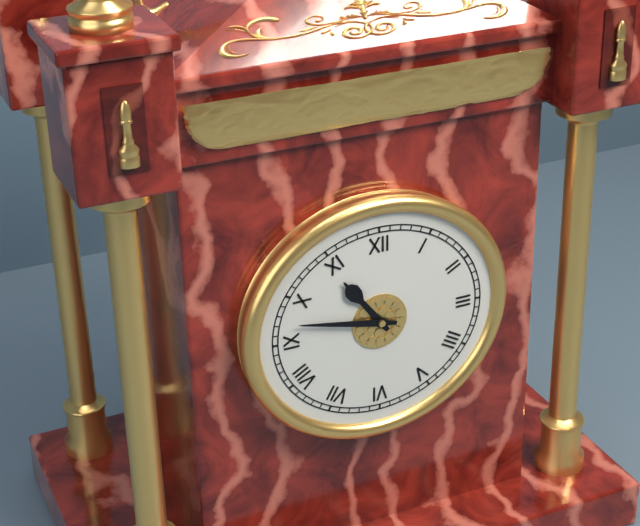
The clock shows **10:47**
